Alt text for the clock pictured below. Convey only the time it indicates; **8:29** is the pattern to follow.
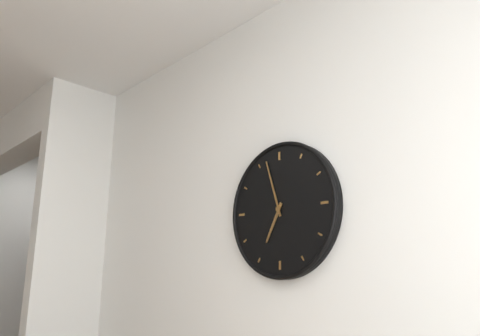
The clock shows **6:57**
